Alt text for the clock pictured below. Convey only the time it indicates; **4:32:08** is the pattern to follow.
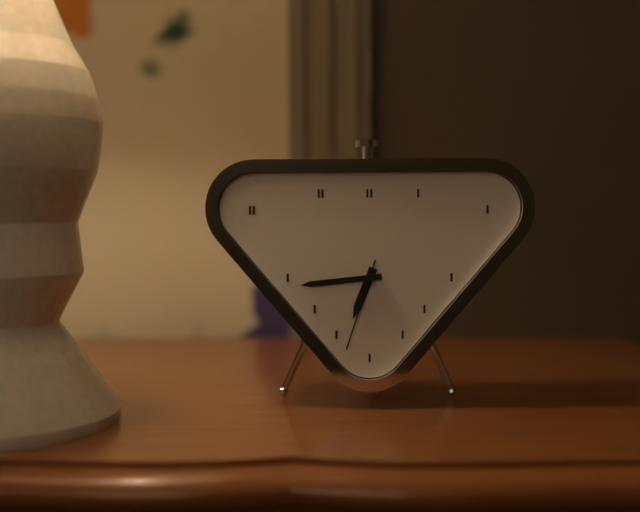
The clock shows **6:44:33**
